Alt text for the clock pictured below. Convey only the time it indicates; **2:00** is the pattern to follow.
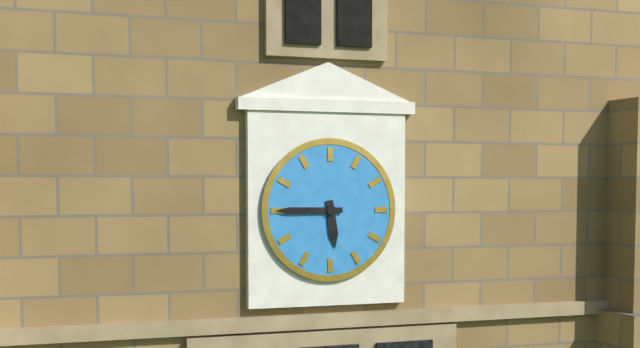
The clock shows **5:45**
